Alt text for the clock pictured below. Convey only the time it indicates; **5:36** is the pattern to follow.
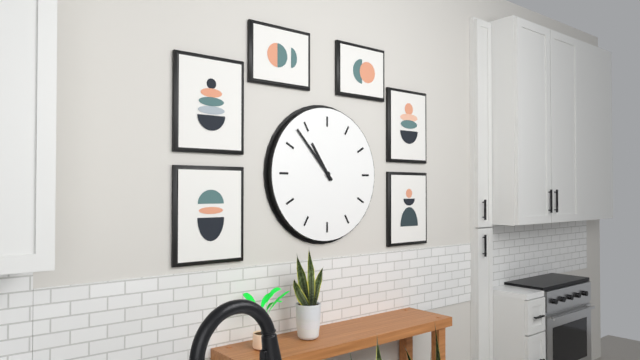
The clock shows **10:53**
